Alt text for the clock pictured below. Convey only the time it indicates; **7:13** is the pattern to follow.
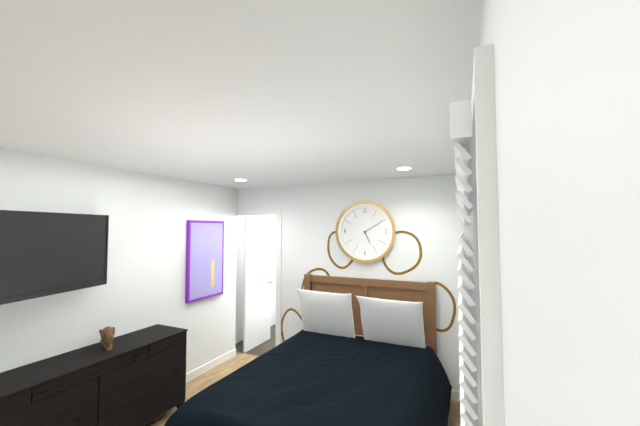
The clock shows **5:10**
